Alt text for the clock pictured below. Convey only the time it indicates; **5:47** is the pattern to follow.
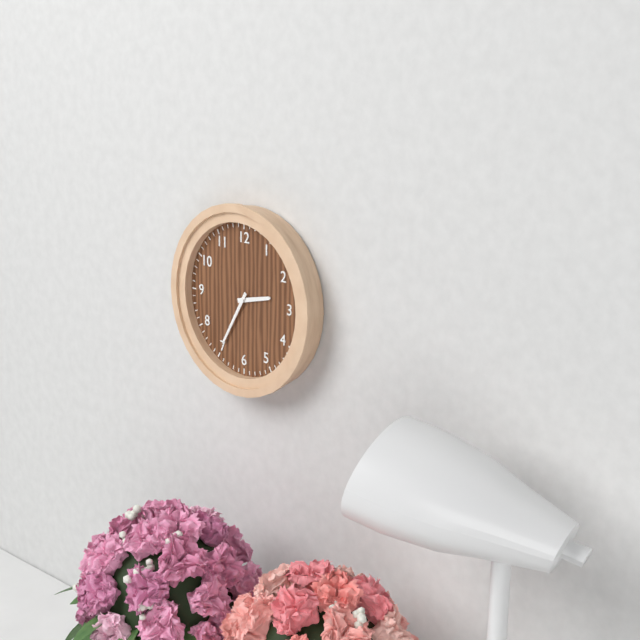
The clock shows **2:35**
